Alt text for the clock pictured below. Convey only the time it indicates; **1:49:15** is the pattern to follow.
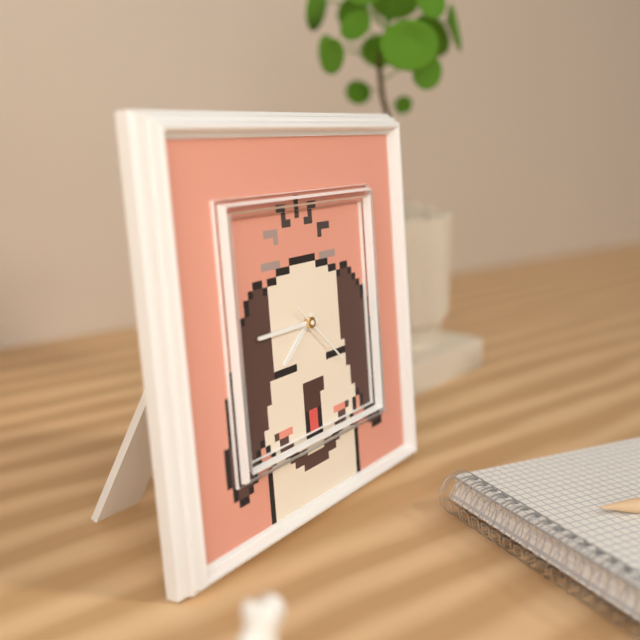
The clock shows **7:45:22**
